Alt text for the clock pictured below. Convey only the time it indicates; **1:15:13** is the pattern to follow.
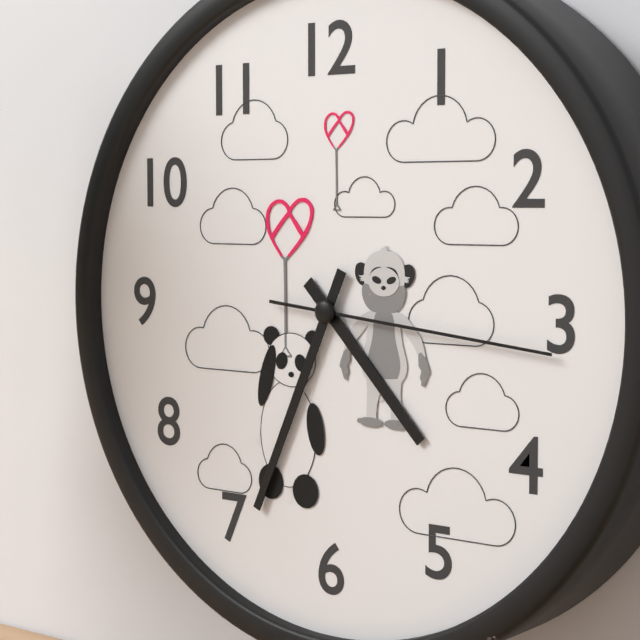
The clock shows **4:34:16**
